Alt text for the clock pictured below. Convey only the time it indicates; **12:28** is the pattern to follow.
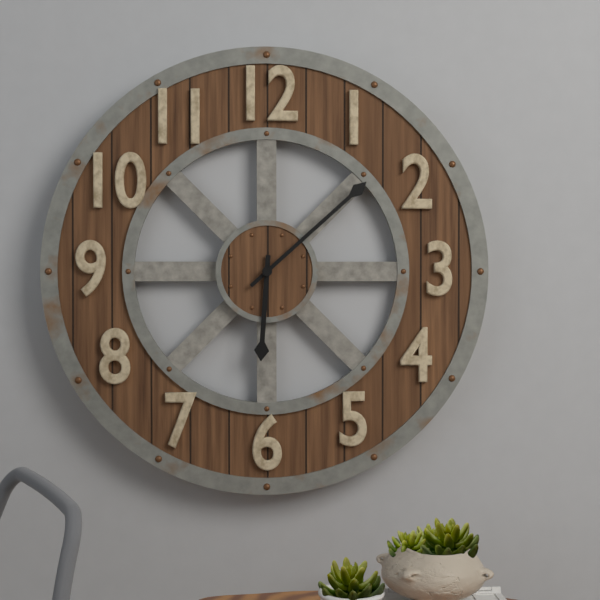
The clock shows **6:08**
